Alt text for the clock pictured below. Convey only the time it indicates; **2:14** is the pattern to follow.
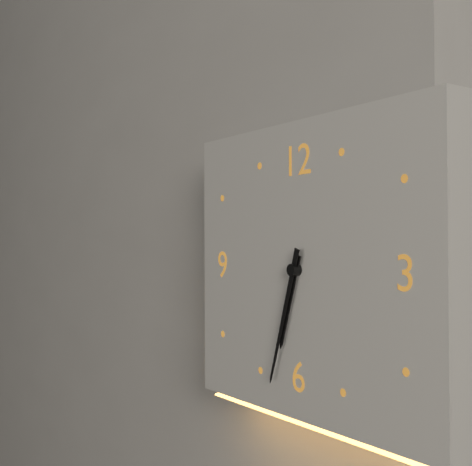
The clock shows **6:33**
